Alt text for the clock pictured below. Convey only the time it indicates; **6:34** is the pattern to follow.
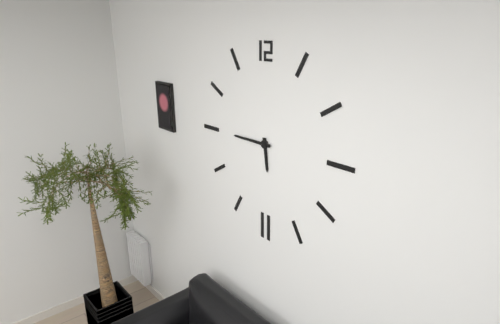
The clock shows **5:45**
